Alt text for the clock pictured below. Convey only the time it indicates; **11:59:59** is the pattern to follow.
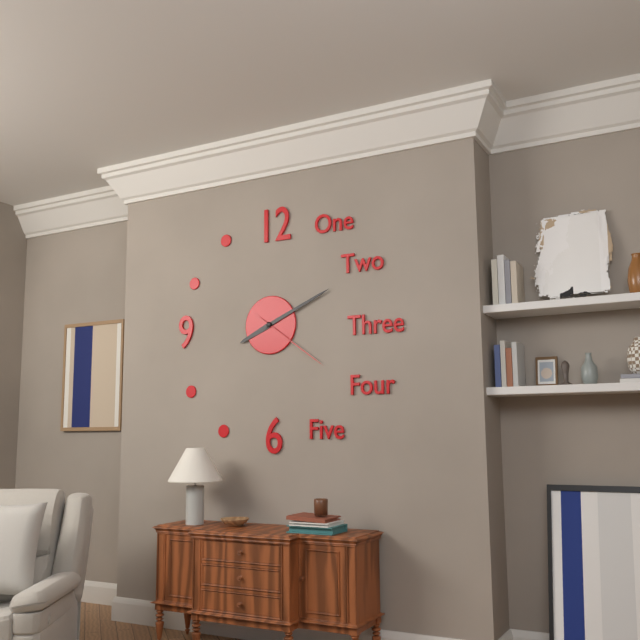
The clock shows **8:11:21**
